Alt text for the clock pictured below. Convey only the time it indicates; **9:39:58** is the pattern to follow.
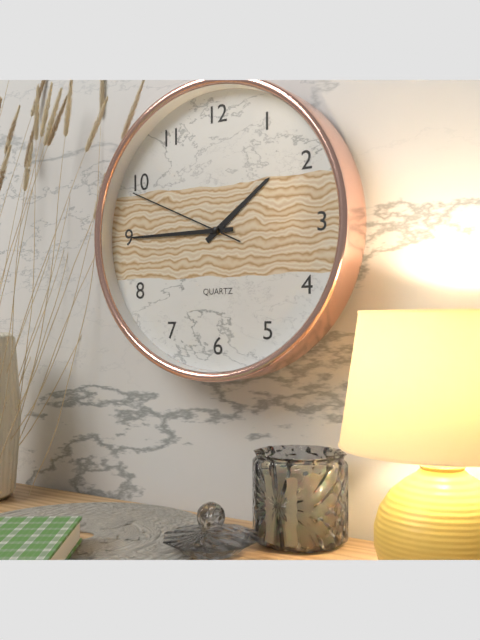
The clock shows **1:45:49**
